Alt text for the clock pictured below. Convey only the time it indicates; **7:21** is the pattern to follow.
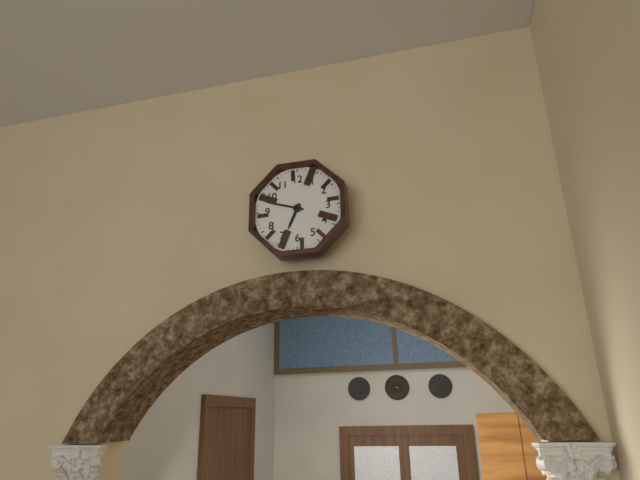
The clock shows **6:48**
